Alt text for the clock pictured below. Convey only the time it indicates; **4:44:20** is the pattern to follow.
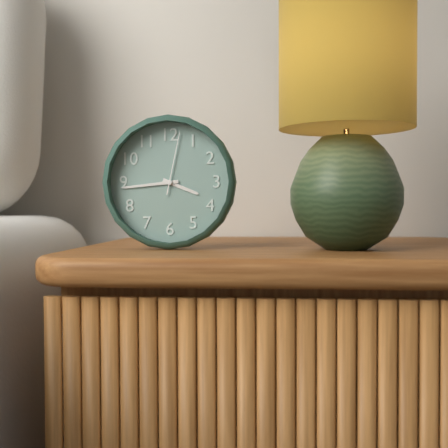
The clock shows **3:44:02**
